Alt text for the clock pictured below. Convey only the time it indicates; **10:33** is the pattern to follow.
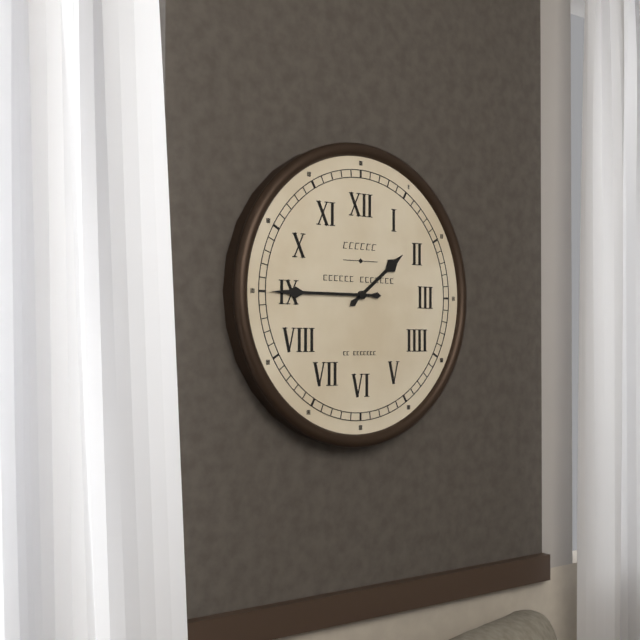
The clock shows **1:45**
